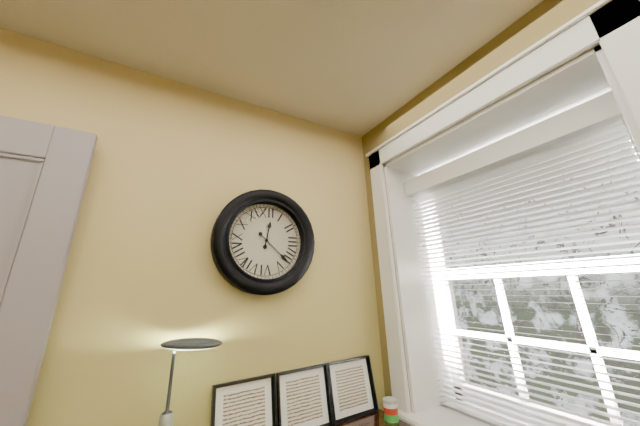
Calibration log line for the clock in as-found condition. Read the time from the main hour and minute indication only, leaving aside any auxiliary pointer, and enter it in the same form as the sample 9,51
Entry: 12,22
